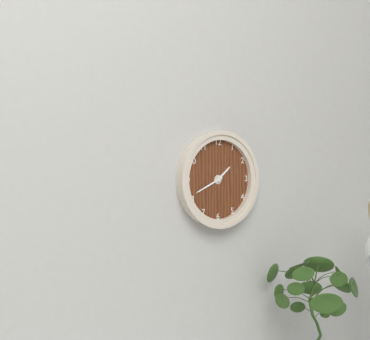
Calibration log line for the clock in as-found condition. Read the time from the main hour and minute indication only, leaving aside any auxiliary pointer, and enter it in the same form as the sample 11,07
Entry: 1,41
